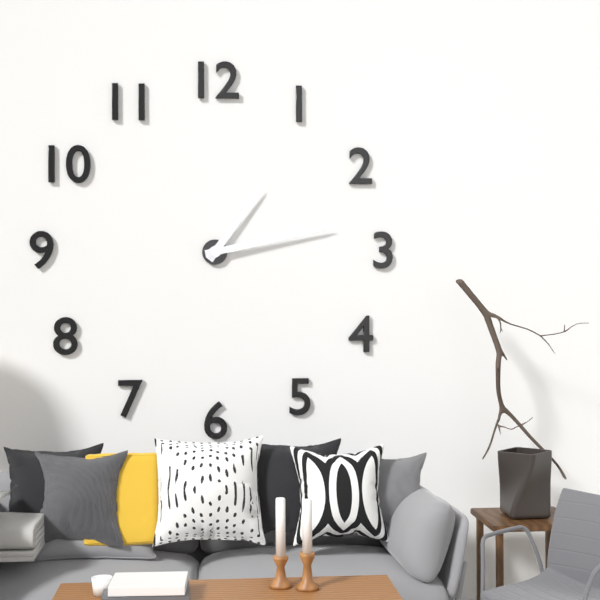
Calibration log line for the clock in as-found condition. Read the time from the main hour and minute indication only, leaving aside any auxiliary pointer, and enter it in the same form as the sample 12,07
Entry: 1,13
